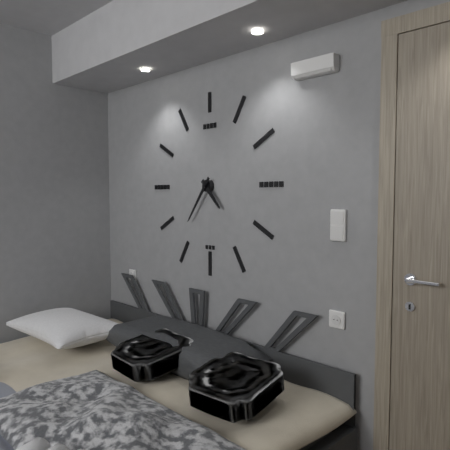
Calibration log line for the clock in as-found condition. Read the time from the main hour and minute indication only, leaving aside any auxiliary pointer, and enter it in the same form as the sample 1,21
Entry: 4,36
